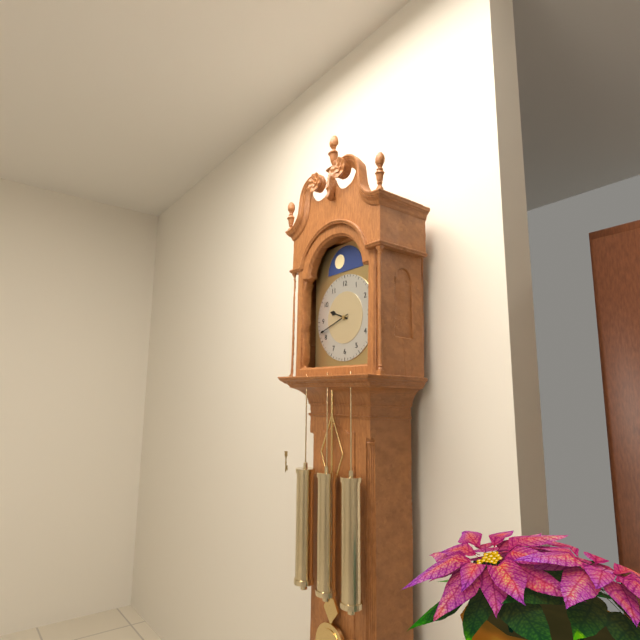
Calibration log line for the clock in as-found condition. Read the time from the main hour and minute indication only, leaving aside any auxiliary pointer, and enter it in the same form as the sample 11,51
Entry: 9,42
